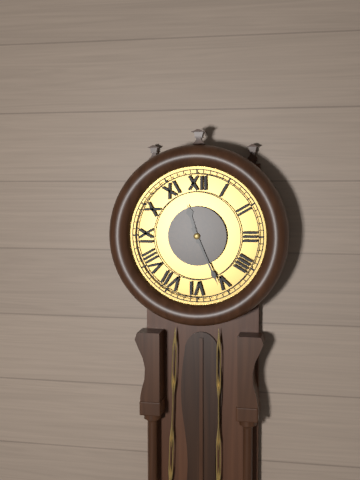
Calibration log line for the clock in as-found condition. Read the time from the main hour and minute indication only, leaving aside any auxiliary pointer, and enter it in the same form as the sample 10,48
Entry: 11,26
